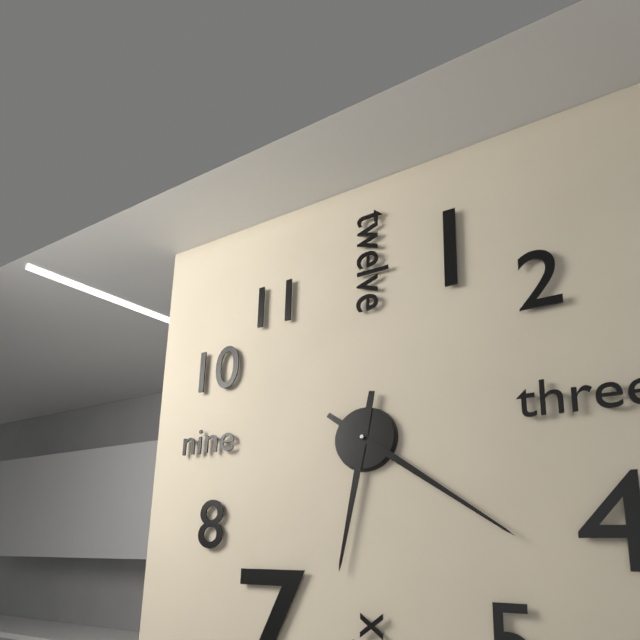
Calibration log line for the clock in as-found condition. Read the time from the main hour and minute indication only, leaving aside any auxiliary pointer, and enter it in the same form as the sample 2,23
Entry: 6,21
